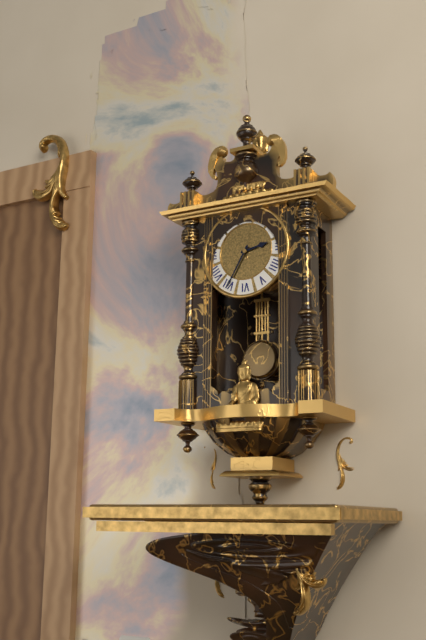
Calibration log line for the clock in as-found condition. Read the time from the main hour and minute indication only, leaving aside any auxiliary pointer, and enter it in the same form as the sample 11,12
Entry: 2,35
